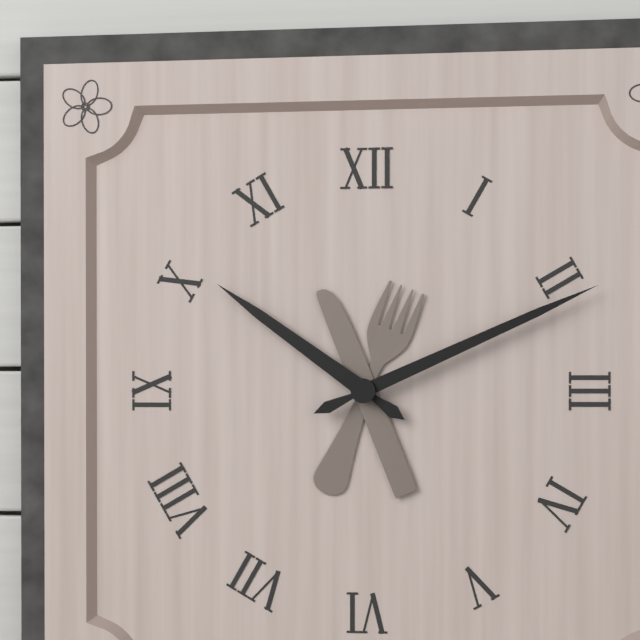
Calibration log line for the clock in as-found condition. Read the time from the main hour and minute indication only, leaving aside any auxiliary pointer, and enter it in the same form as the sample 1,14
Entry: 10,11
